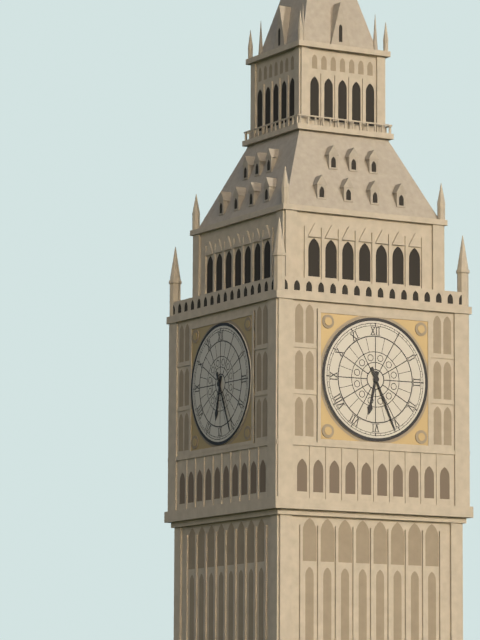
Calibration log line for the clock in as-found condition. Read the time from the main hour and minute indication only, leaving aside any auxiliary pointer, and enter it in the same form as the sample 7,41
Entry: 6,26
